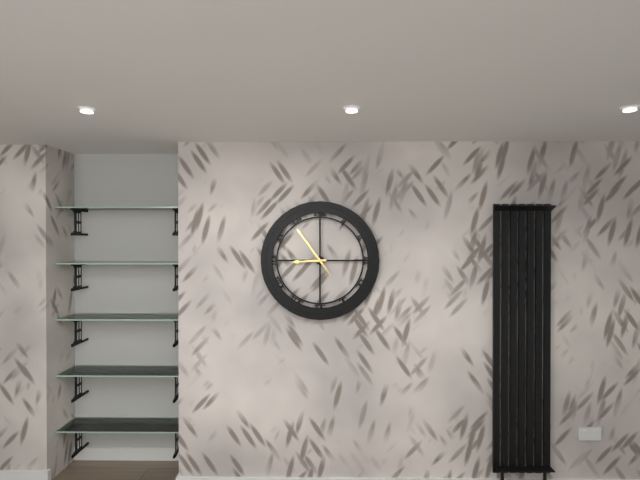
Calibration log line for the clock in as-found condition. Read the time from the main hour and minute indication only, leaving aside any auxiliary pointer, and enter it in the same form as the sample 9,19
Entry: 8,54
